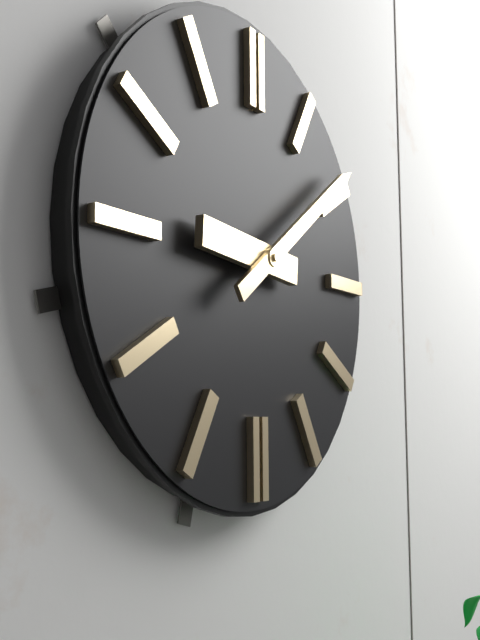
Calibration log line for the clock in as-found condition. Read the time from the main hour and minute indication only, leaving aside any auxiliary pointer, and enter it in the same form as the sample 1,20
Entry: 9,09
